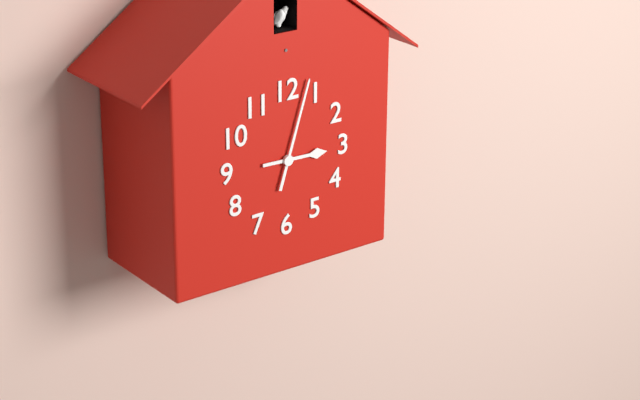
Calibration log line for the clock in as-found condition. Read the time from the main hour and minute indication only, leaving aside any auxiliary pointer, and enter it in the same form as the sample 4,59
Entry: 3,03
